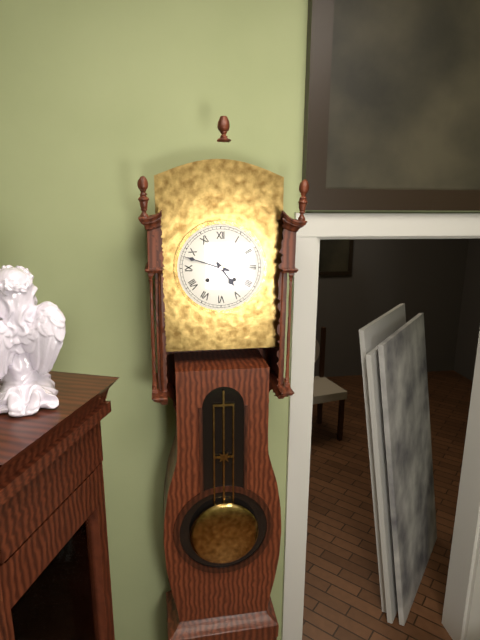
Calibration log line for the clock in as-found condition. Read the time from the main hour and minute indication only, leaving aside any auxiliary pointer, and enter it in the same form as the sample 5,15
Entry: 4,48
